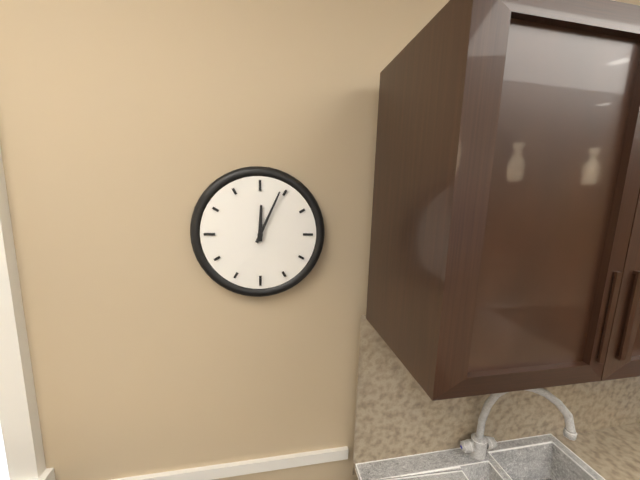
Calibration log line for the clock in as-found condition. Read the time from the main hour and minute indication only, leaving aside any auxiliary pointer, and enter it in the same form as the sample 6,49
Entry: 12,04
